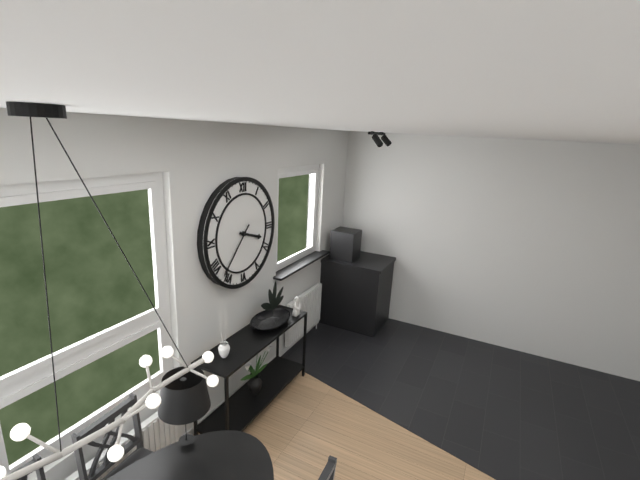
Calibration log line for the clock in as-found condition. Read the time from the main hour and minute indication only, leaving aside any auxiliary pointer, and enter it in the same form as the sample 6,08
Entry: 3,37
